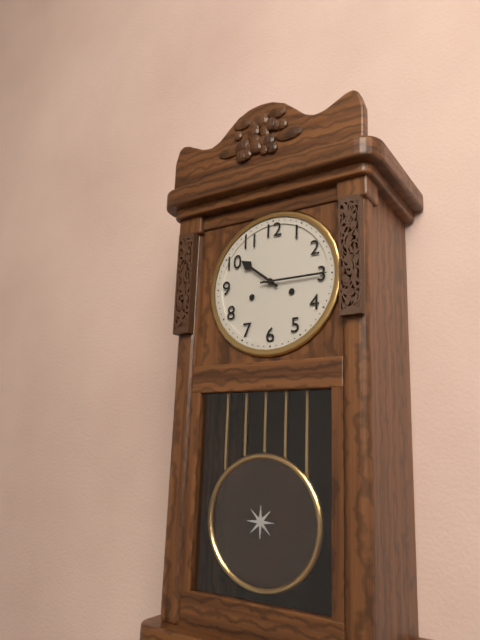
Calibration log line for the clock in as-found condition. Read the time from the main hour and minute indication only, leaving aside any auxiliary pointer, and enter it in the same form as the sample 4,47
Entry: 10,15
